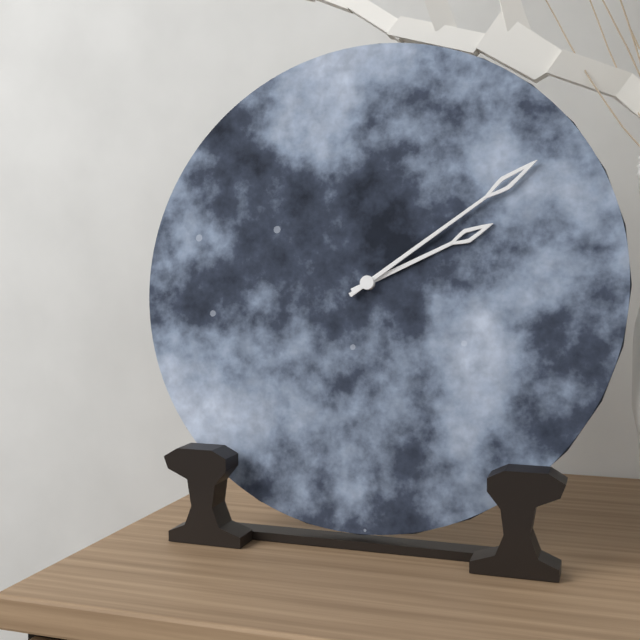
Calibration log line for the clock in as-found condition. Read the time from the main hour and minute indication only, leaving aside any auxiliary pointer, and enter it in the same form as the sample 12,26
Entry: 2,09
